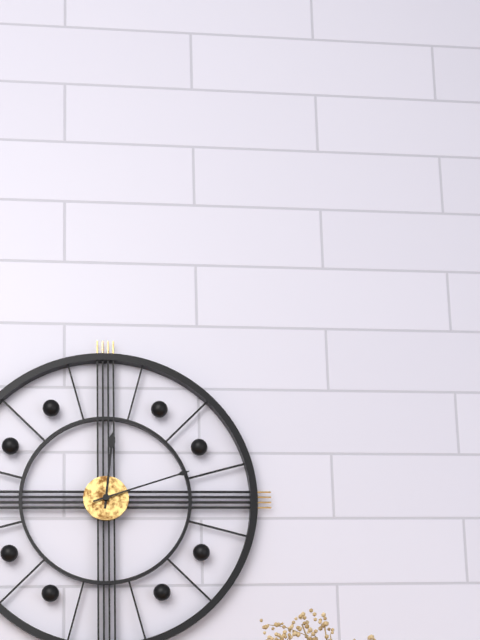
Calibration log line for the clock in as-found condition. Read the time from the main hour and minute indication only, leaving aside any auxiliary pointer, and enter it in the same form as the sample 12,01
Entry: 12,12
